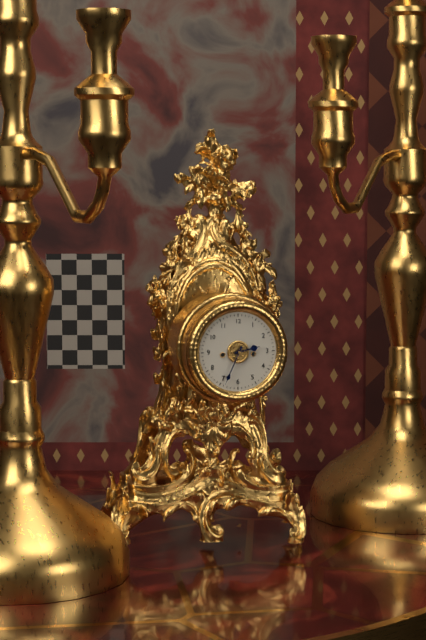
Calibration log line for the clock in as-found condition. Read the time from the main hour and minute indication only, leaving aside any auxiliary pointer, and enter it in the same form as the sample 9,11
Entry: 2,34
